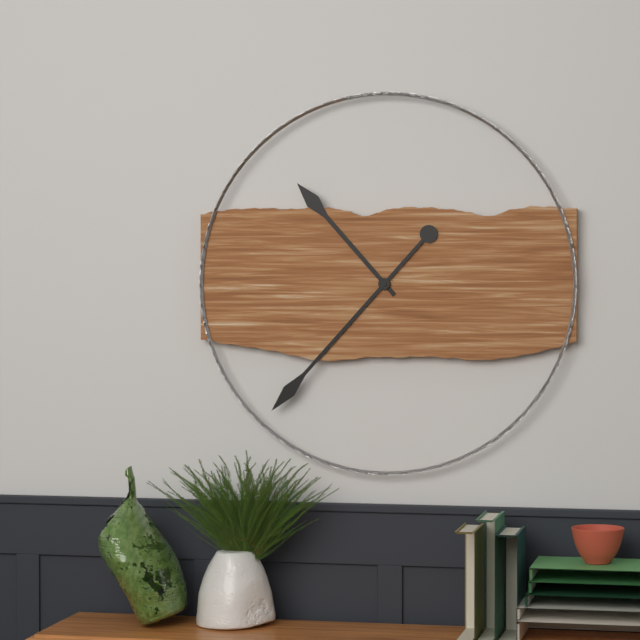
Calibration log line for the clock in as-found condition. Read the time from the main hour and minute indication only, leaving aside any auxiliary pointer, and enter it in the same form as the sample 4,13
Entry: 10,37
